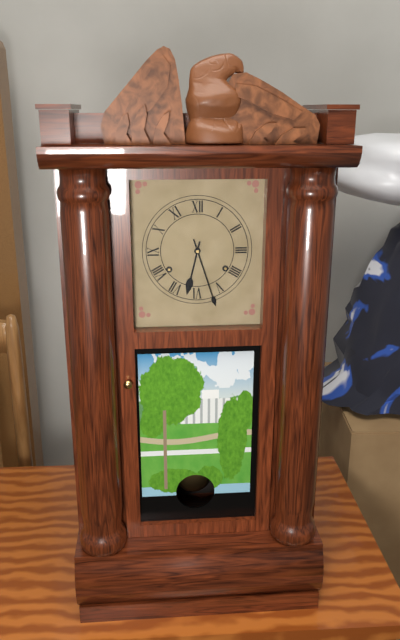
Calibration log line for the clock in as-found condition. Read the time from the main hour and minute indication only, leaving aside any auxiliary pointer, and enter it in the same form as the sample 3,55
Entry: 6,27
